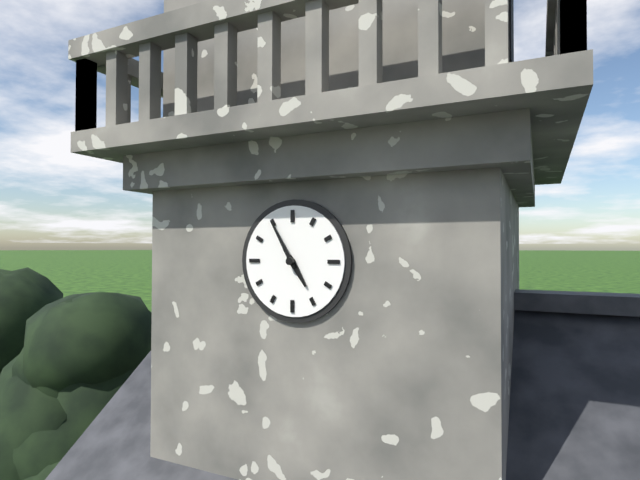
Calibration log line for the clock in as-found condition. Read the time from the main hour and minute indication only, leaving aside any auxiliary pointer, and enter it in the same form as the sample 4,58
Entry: 4,55
